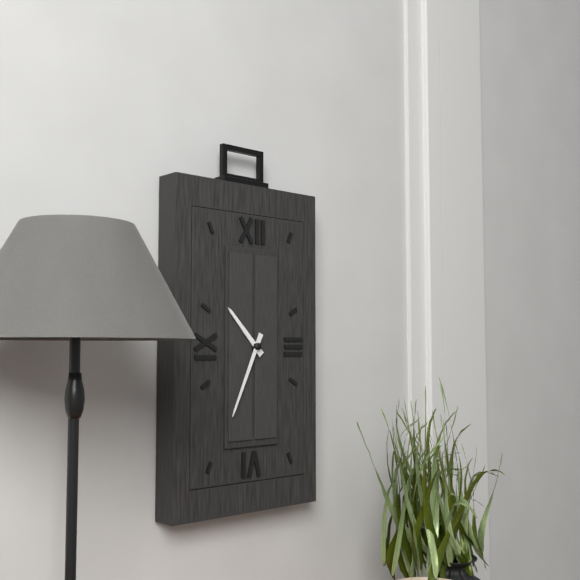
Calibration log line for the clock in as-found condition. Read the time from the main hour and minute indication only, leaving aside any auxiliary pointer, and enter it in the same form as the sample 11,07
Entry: 10,34
